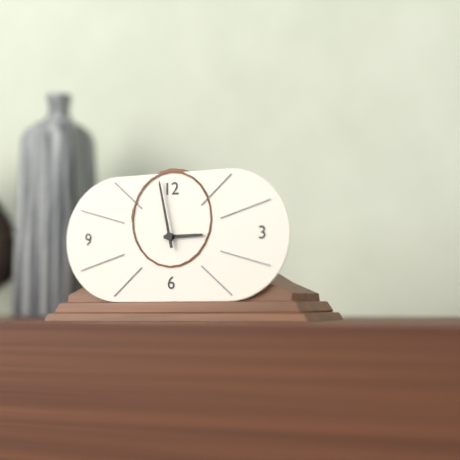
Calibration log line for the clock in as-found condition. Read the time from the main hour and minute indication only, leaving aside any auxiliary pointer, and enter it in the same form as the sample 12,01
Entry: 2,58
